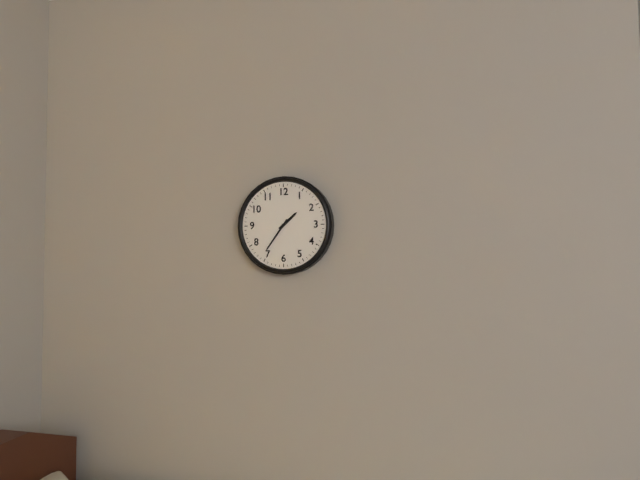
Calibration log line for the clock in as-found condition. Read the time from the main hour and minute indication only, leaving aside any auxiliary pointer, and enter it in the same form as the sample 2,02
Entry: 1,36
